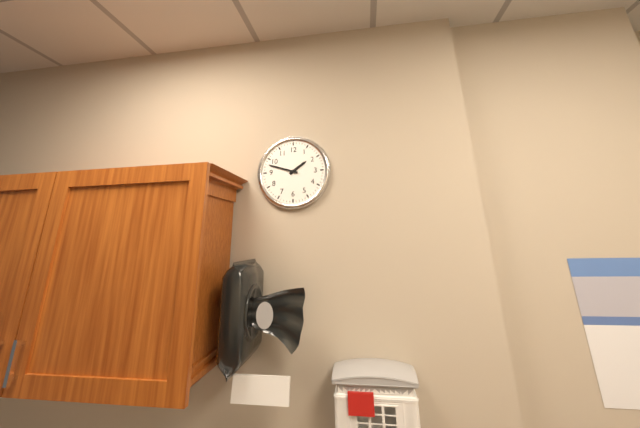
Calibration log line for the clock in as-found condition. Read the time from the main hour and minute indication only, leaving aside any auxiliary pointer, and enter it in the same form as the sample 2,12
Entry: 1,48
